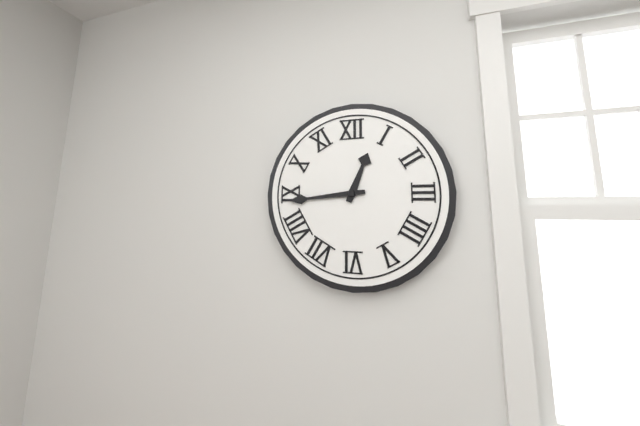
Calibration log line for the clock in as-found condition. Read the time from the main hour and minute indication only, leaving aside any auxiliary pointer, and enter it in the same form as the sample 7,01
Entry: 12,44
